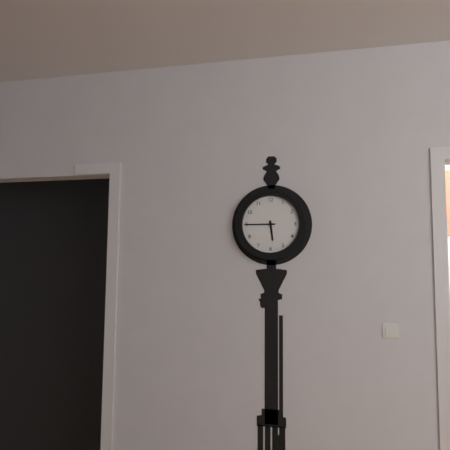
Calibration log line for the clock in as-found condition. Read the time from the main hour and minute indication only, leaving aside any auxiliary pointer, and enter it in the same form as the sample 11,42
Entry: 5,45
